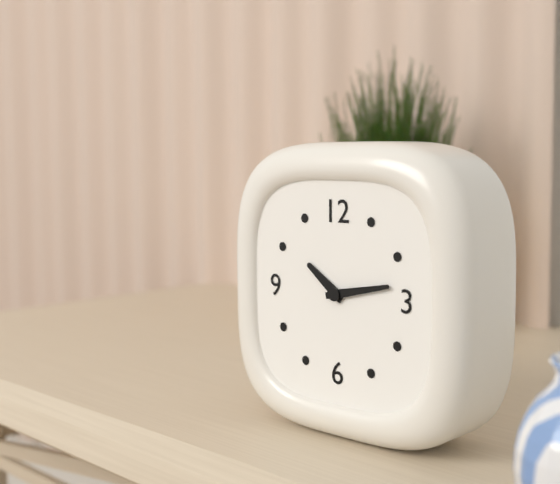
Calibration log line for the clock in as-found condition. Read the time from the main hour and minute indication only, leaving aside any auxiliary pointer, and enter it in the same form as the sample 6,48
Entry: 10,13
